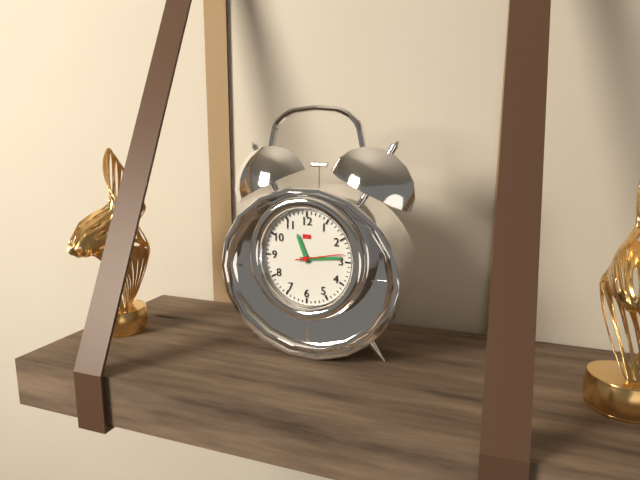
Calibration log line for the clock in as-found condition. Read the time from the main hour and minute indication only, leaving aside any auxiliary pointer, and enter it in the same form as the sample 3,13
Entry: 11,14
